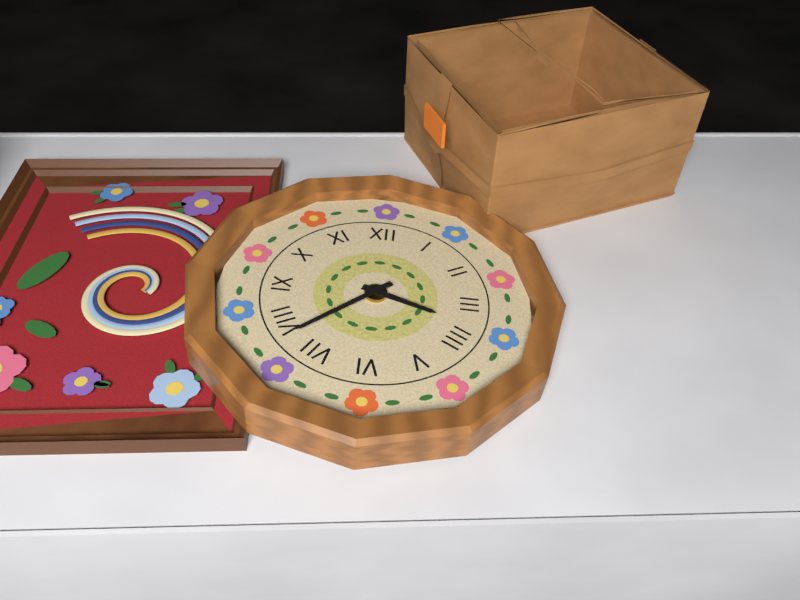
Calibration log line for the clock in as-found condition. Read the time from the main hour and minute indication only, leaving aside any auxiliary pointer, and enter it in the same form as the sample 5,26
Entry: 3,38
